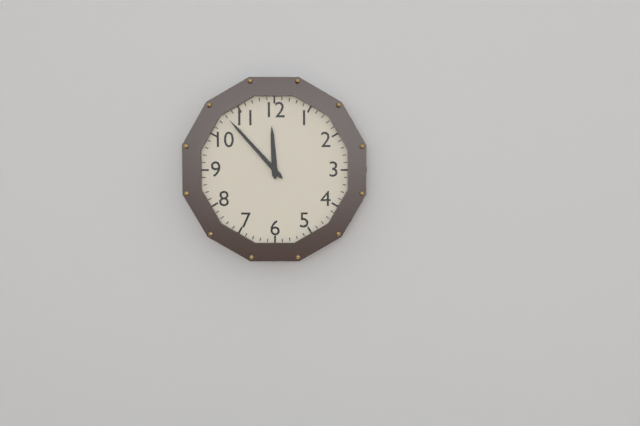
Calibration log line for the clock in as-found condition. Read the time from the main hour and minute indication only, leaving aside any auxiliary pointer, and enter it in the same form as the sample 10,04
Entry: 11,53
